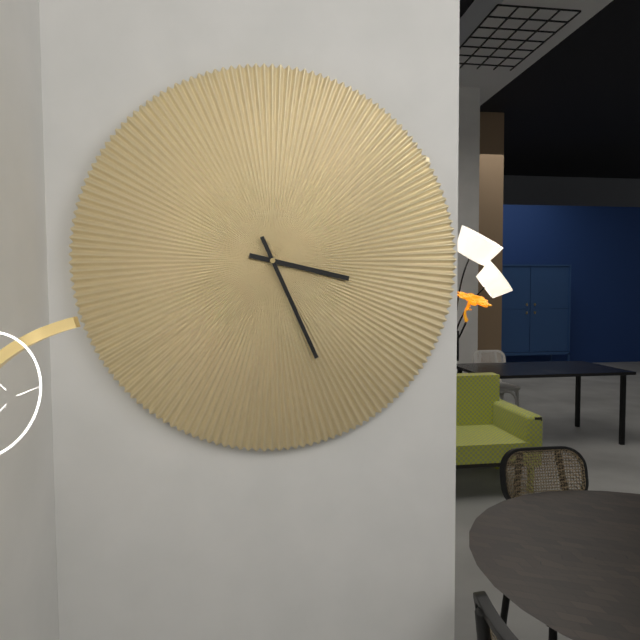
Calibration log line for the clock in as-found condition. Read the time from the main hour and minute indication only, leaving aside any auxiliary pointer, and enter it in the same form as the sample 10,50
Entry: 3,26
